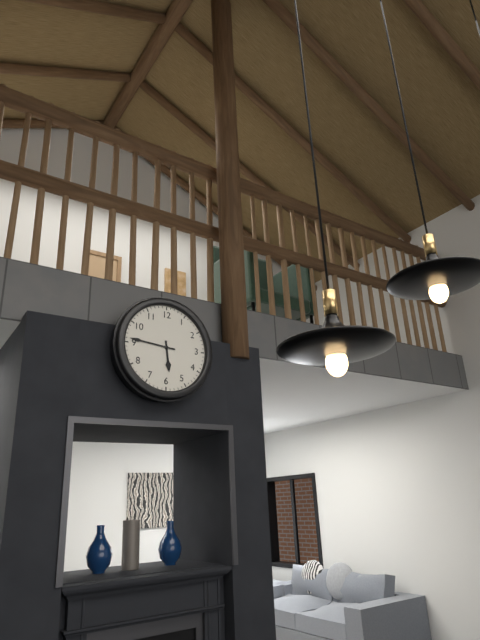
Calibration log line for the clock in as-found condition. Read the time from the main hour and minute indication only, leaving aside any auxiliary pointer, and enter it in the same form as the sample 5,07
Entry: 5,46
